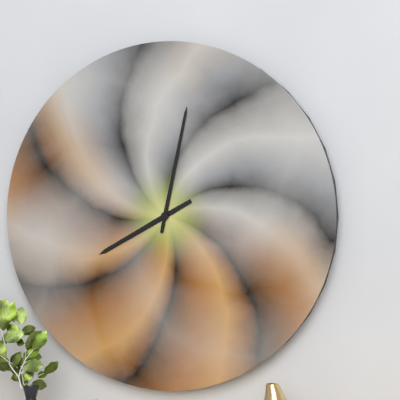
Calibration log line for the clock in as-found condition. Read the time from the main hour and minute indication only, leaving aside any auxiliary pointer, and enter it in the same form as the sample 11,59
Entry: 8,02
